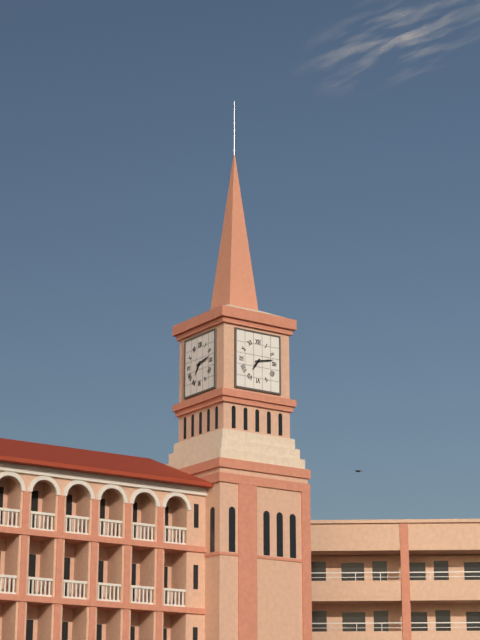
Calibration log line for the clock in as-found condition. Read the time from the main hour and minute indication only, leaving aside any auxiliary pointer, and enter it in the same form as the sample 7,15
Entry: 7,13
